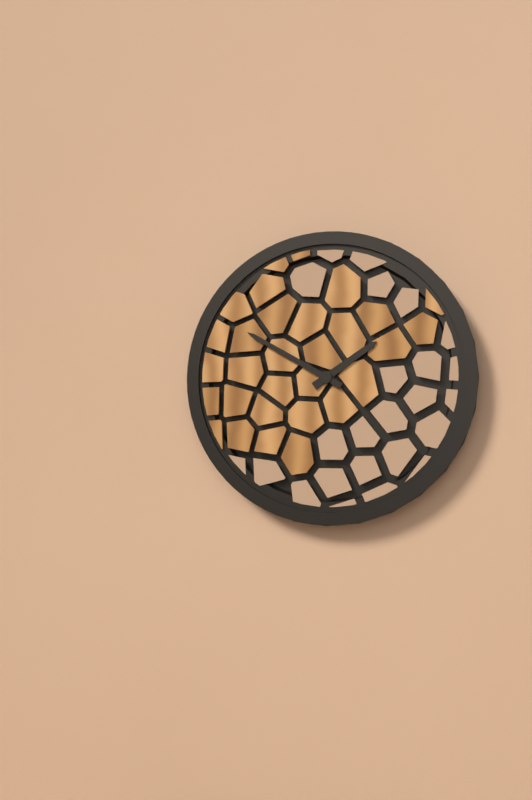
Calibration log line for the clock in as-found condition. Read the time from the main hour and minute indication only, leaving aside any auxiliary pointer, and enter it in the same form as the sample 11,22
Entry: 1,50
